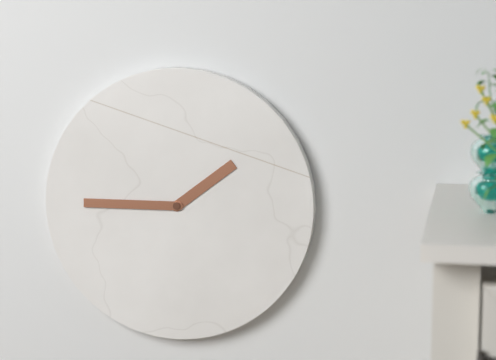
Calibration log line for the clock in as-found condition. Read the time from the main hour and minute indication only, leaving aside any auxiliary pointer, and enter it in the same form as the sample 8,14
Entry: 1,45
